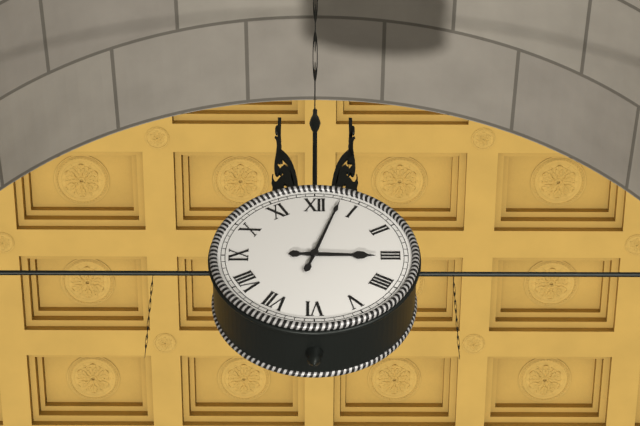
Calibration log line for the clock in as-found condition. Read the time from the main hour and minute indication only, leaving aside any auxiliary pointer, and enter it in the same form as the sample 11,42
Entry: 3,03
